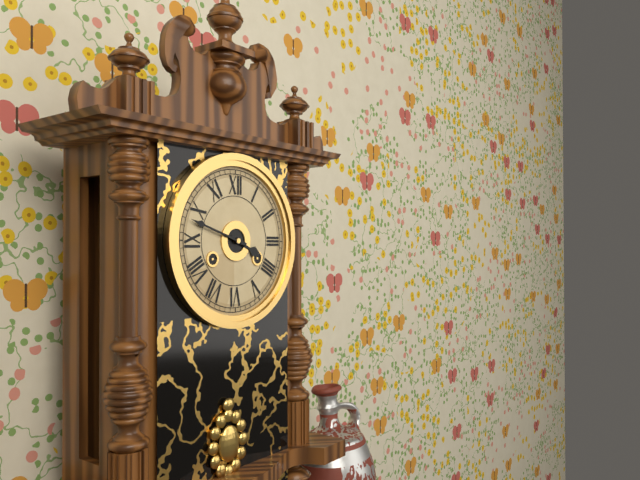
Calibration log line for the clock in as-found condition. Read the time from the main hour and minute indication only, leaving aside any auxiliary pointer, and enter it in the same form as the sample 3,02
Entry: 3,48
